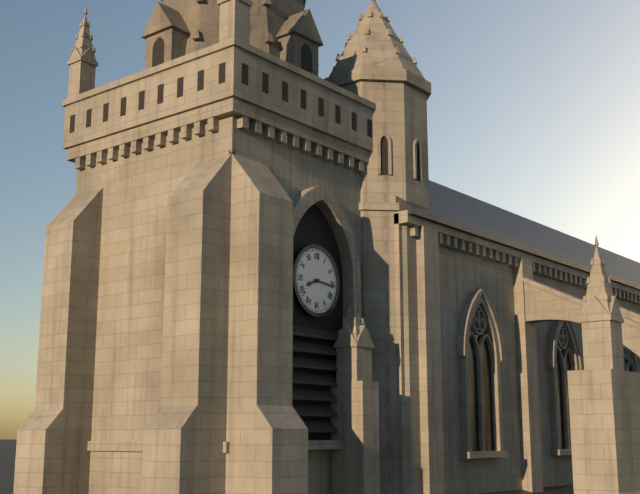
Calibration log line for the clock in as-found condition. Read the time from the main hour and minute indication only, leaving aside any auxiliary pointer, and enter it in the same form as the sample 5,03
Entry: 8,16
